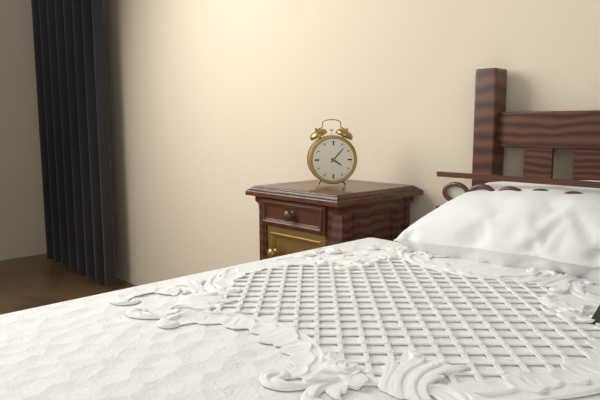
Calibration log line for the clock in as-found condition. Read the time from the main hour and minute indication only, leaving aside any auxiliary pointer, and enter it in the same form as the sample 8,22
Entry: 4,07
